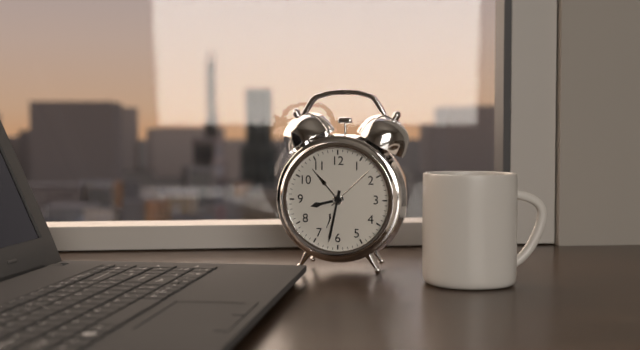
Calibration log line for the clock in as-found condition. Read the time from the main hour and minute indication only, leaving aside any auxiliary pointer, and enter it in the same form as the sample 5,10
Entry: 8,32
